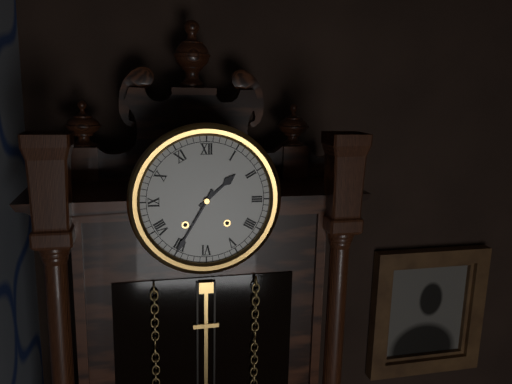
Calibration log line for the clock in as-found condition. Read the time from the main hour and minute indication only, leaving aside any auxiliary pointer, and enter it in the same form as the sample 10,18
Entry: 1,35
